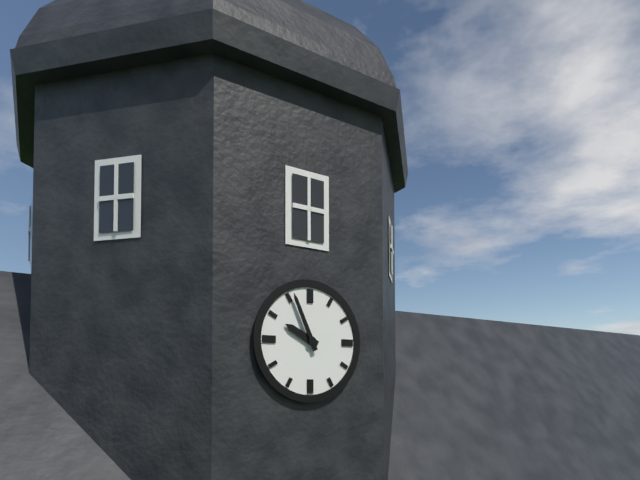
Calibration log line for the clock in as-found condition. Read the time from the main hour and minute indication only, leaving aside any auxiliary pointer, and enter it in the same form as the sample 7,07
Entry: 9,56
